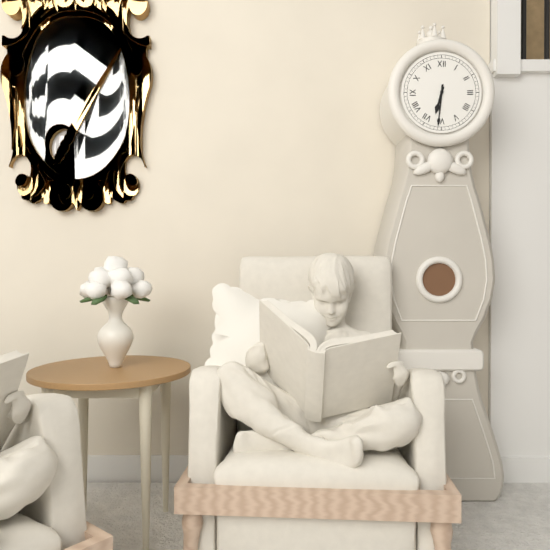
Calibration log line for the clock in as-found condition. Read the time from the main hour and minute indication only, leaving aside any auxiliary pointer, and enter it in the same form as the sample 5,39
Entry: 6,31
